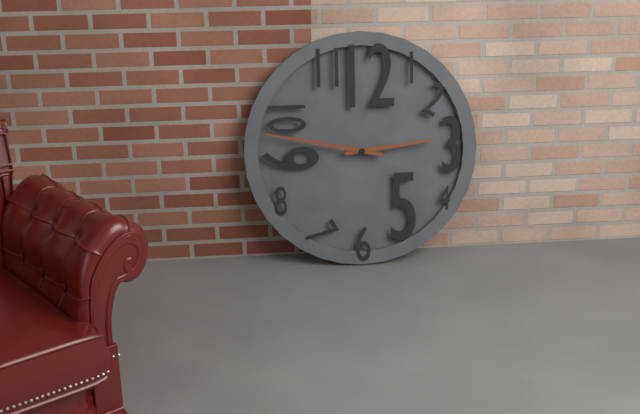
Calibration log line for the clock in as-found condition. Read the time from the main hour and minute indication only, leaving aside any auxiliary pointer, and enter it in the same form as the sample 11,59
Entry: 2,47
